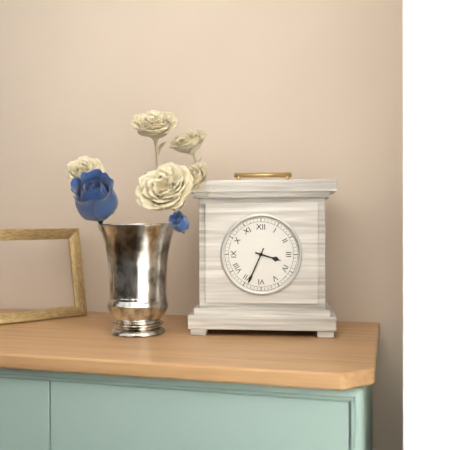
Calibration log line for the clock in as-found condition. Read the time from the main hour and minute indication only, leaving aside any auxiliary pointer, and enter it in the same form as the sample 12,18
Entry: 3,34
